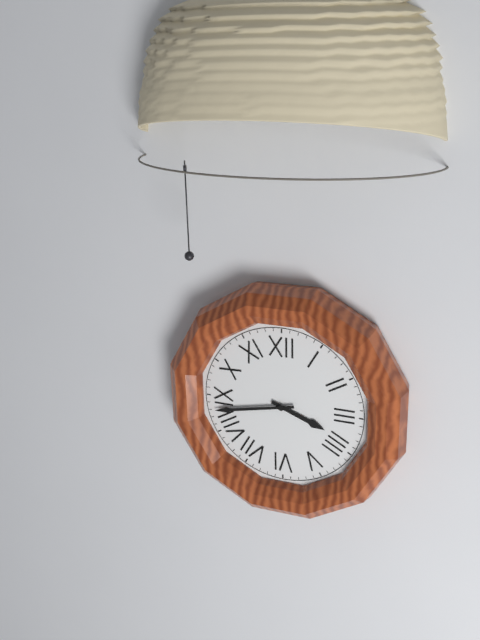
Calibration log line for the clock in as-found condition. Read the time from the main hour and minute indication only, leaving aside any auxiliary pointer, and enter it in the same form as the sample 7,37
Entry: 3,43
